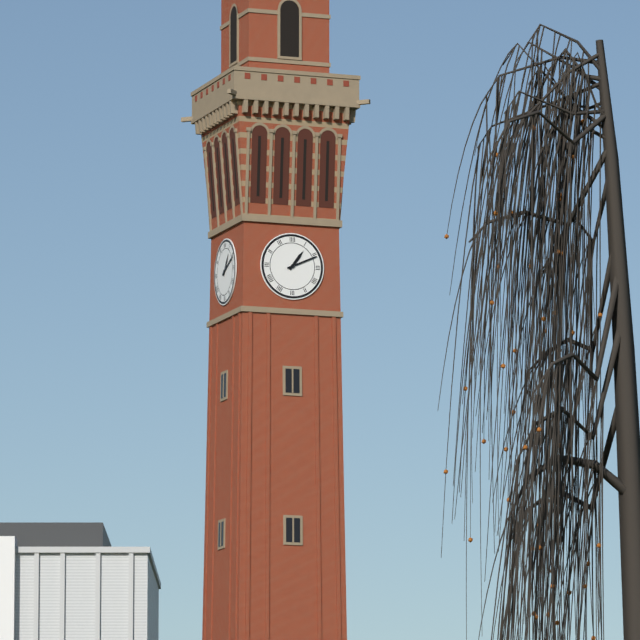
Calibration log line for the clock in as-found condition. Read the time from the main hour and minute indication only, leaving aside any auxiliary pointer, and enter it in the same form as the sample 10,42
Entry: 1,11
